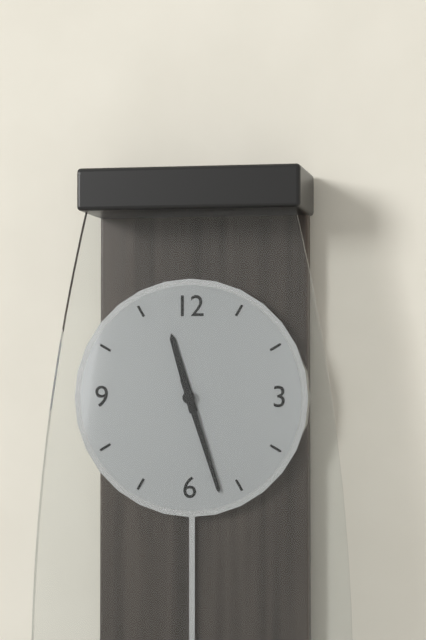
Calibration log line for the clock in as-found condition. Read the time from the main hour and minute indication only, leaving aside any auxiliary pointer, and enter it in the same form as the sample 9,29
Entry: 11,27
